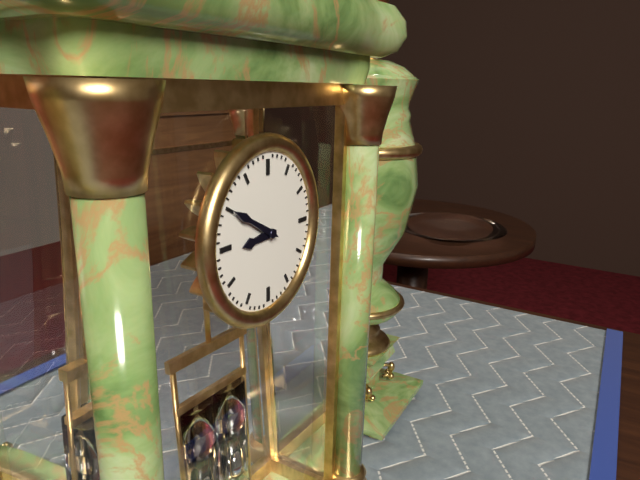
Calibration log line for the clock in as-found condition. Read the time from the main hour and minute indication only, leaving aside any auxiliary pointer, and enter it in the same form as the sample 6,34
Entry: 8,50
